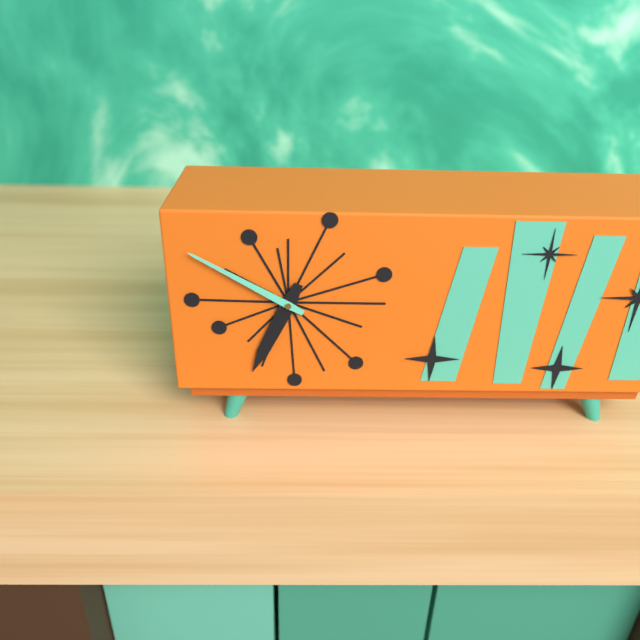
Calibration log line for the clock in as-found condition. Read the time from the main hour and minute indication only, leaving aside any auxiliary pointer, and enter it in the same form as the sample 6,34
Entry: 6,50
